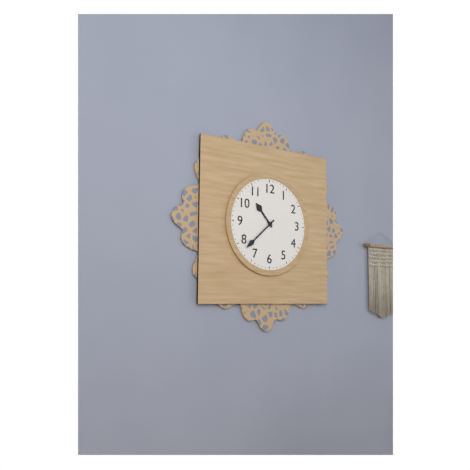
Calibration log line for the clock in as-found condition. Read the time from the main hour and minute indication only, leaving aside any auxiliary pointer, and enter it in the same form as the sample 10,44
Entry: 10,38
